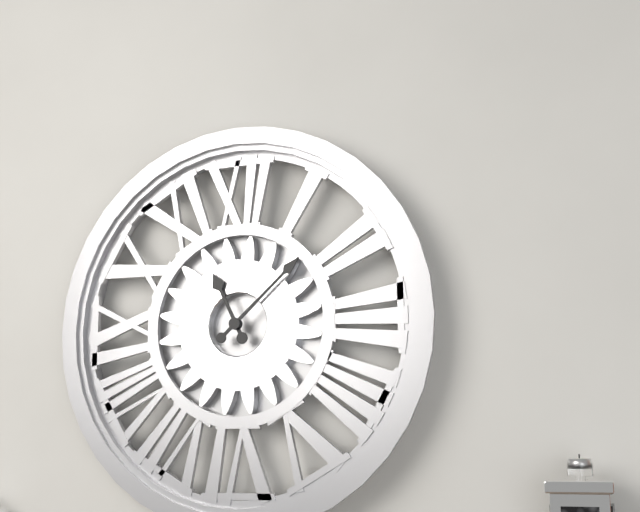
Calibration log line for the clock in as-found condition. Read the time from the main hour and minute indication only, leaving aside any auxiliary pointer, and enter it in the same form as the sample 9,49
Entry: 11,08
